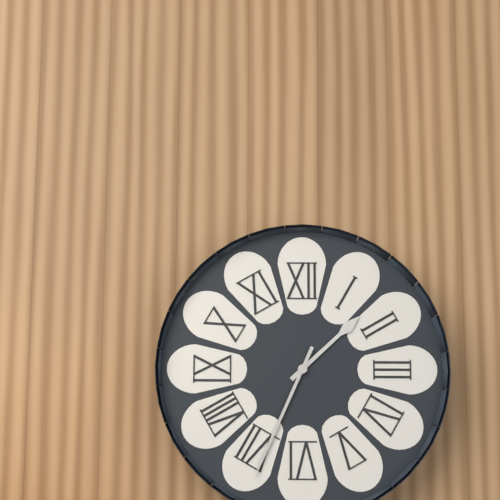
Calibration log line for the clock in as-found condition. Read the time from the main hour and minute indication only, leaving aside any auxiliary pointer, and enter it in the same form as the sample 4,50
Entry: 1,34
